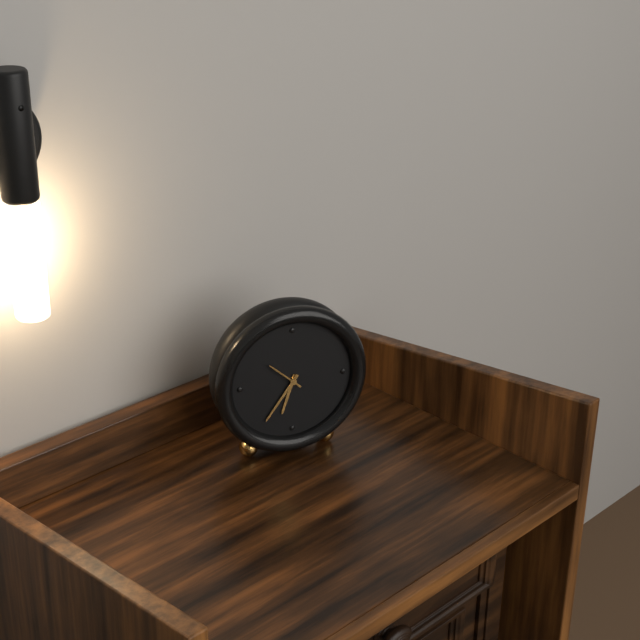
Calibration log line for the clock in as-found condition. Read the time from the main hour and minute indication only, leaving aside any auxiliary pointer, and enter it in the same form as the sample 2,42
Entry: 6,36
